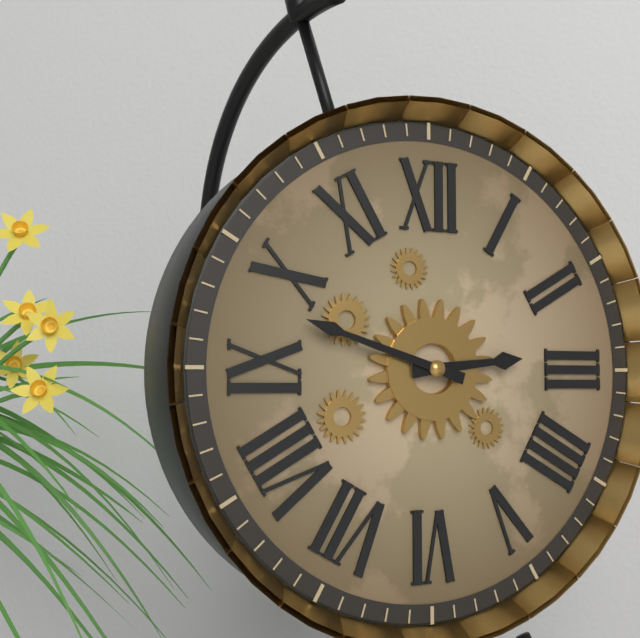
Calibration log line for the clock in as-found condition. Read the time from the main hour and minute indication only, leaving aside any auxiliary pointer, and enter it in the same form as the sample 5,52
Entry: 2,48
